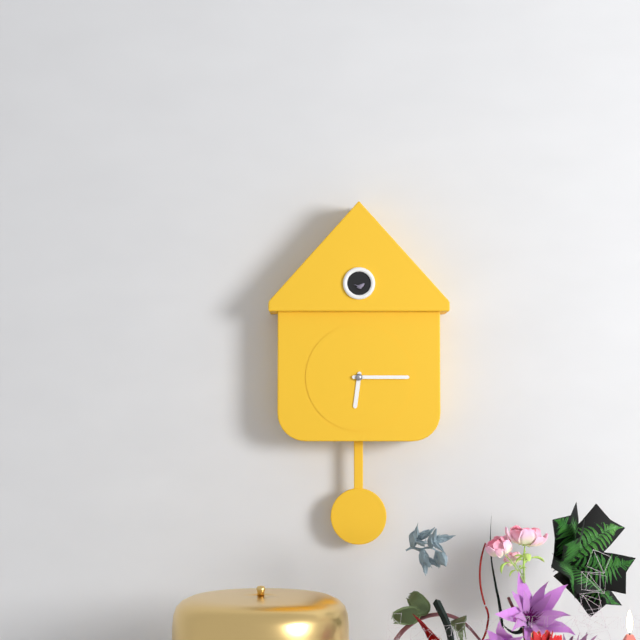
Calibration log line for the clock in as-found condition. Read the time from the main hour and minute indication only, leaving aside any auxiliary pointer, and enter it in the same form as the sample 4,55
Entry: 6,15
